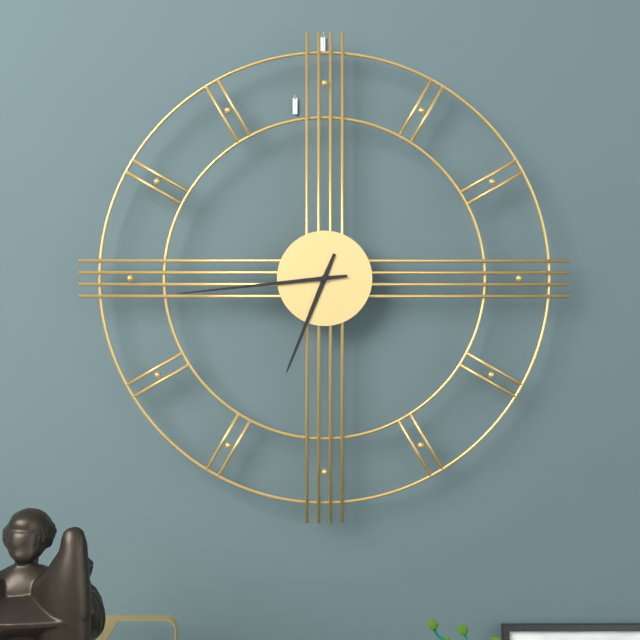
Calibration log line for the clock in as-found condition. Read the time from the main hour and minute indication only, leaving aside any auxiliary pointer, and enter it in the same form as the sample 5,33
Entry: 6,44
